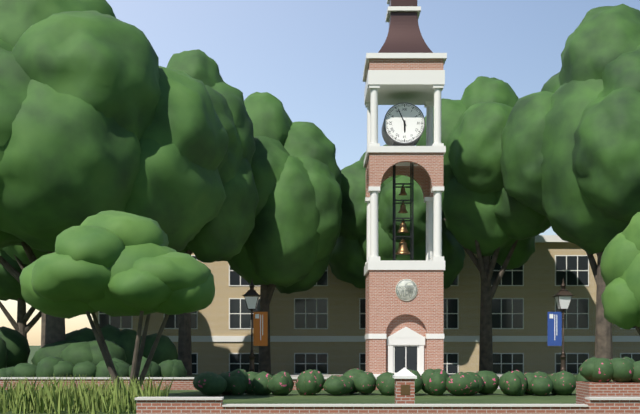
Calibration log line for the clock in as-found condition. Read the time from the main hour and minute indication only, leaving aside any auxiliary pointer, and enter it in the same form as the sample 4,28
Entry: 5,56
